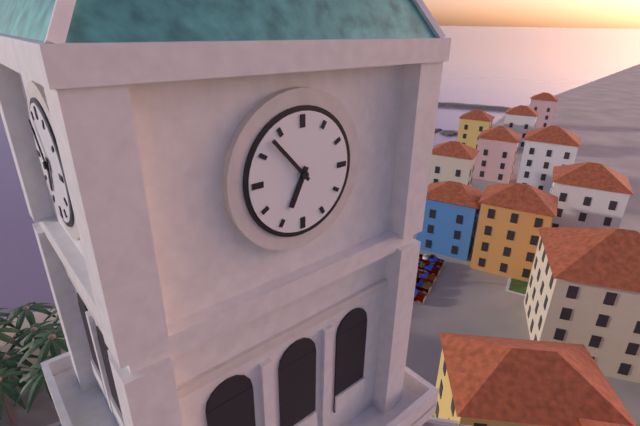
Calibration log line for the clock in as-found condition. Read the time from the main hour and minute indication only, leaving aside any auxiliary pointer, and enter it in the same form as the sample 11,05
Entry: 6,53
